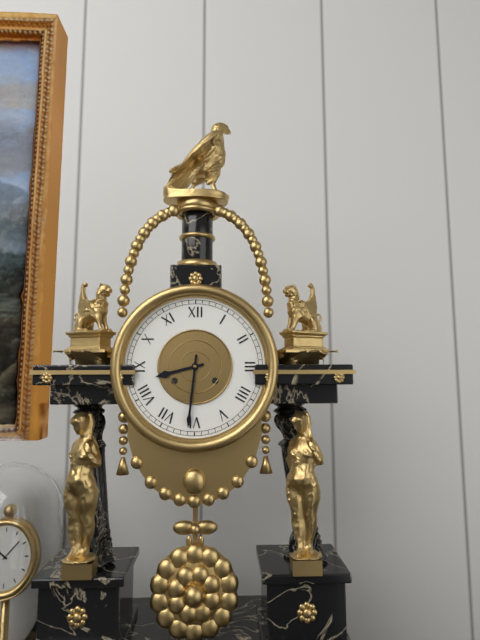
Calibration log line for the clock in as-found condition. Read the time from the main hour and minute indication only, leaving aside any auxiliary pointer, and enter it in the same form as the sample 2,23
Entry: 8,31
